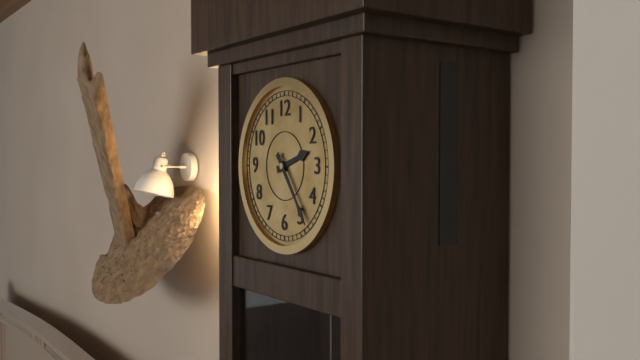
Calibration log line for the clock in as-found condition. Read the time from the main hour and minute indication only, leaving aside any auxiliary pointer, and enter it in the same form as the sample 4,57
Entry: 2,24
